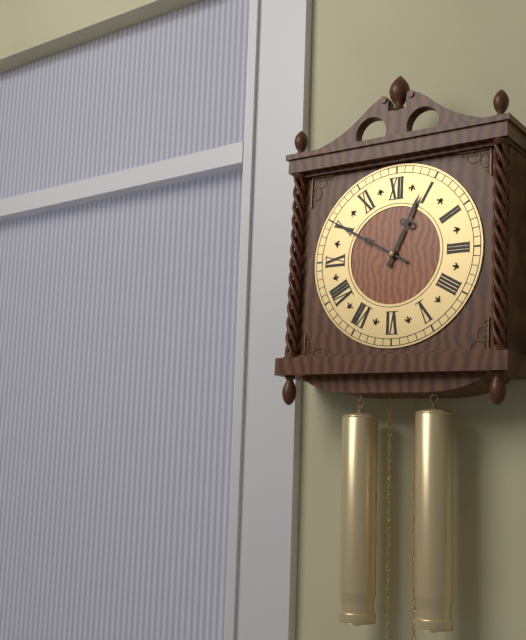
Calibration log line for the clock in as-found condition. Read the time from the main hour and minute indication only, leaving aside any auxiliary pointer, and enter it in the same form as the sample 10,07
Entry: 12,50
